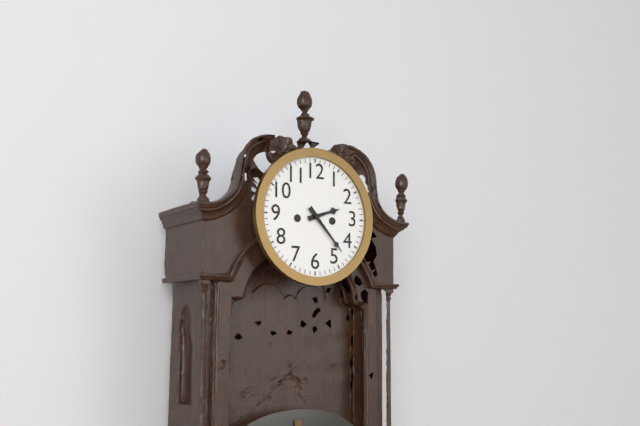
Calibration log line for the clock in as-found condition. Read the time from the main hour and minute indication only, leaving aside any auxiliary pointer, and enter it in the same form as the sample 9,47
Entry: 2,23
